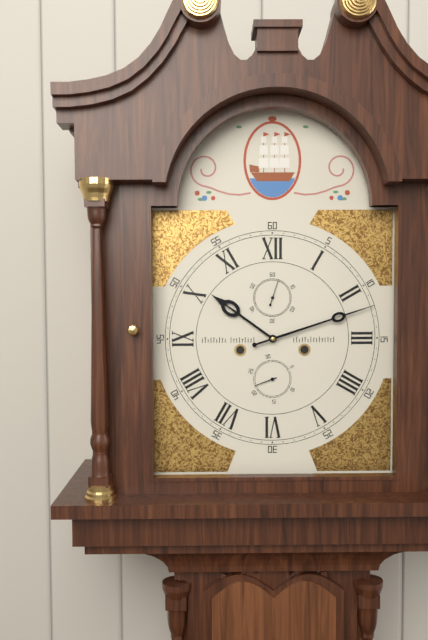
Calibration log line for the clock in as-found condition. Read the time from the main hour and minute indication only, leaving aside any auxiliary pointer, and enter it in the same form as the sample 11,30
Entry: 10,12
